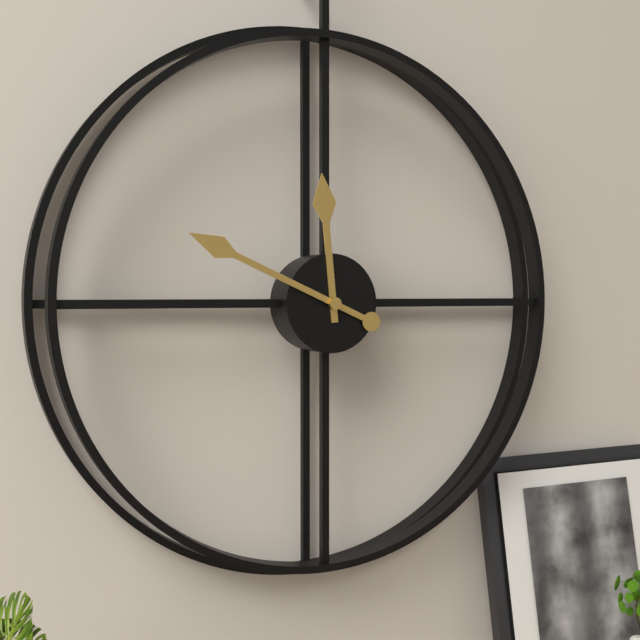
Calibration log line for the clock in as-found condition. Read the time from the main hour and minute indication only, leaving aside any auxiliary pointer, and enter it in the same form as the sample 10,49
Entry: 11,49
